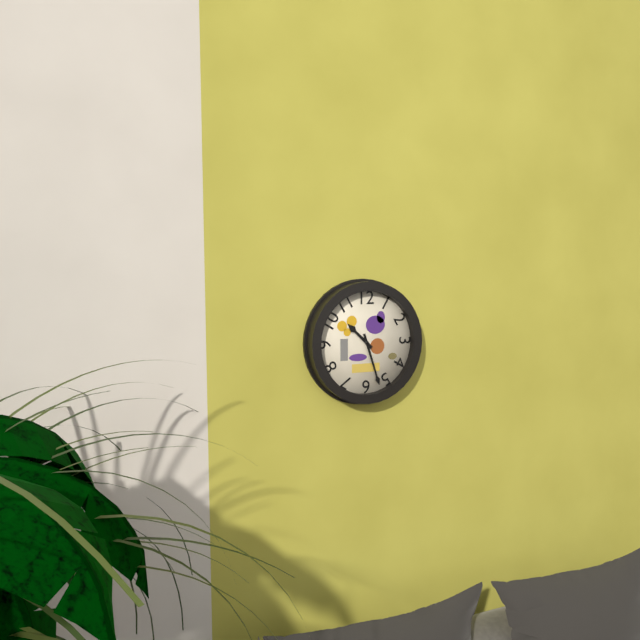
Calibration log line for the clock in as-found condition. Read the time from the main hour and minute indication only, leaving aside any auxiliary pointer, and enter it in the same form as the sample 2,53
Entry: 10,27
